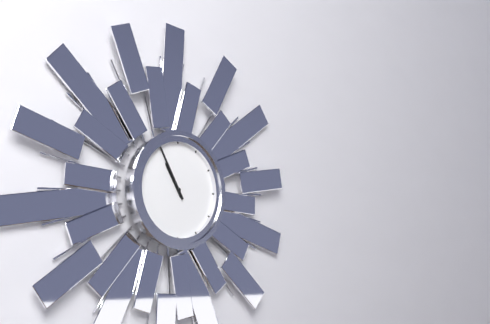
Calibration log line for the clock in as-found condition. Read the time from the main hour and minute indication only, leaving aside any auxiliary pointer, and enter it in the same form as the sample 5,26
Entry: 10,55
